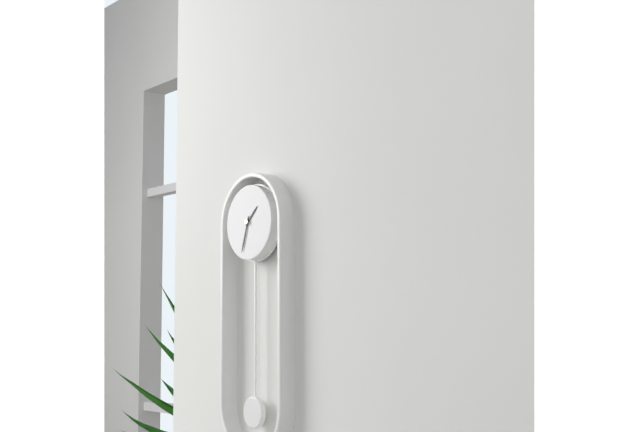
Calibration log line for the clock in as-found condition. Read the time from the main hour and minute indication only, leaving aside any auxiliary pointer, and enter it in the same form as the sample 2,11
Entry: 1,33
